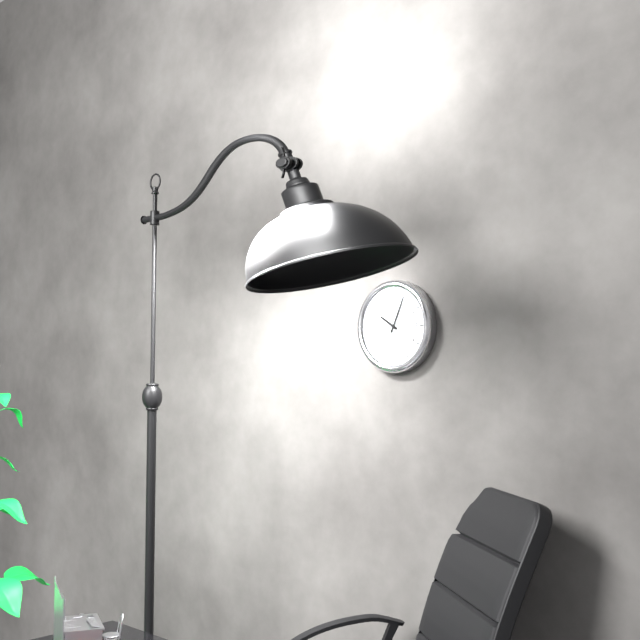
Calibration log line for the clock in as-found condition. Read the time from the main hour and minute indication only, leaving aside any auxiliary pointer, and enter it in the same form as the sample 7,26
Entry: 10,04
